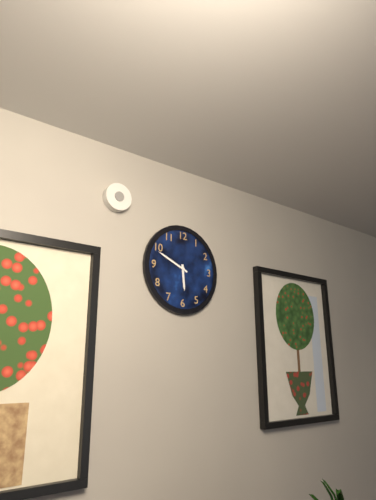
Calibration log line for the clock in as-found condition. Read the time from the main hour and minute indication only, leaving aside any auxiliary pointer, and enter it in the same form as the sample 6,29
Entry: 5,49
